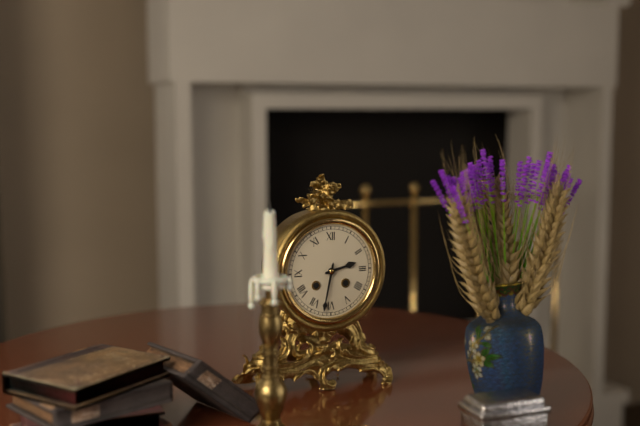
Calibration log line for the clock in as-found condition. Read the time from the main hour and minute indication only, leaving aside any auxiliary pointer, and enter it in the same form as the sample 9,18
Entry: 2,32
